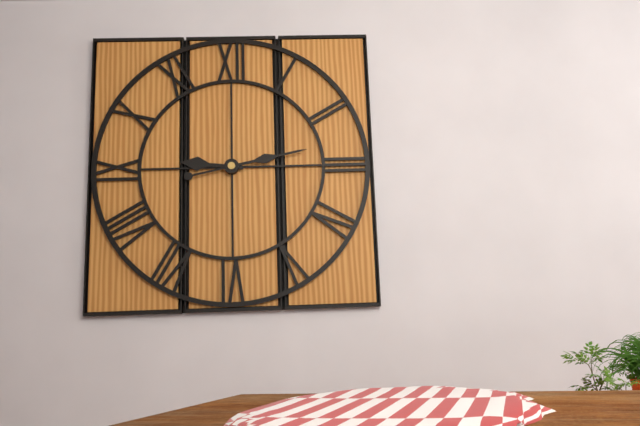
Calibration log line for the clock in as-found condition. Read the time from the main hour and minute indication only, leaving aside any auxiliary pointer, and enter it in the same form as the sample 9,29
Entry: 9,13
